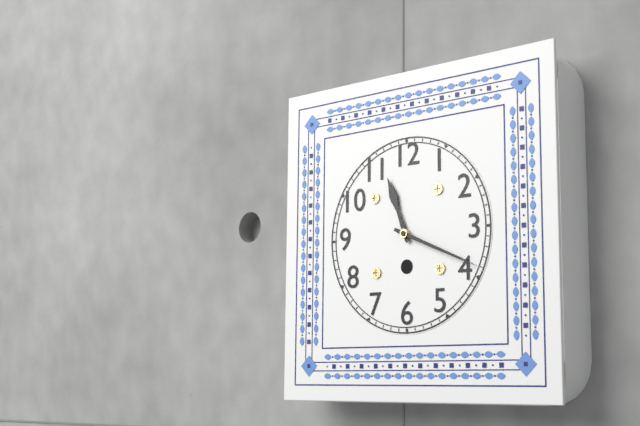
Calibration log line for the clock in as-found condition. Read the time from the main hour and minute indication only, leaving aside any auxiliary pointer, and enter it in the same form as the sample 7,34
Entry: 11,19
